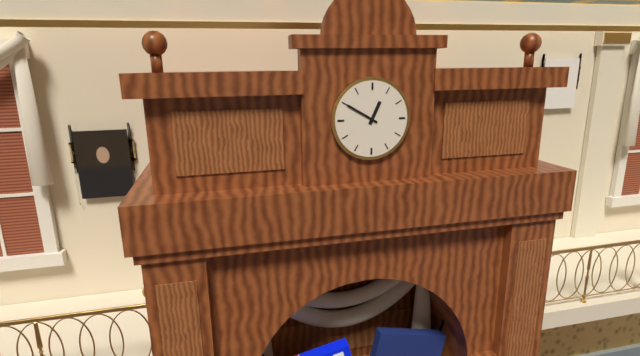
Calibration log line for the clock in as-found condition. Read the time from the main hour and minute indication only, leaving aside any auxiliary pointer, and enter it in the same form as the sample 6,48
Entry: 12,50
